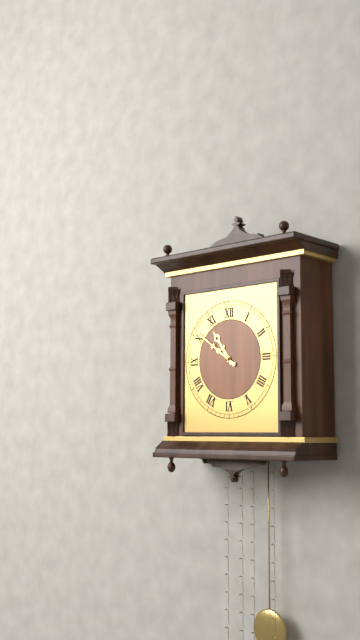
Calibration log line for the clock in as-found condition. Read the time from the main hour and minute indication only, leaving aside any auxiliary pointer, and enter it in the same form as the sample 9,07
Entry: 10,51
